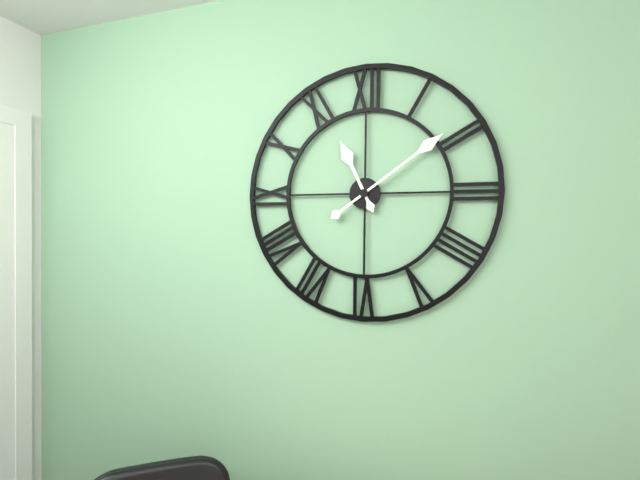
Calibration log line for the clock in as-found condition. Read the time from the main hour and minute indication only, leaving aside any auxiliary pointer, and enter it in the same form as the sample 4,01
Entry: 11,09
